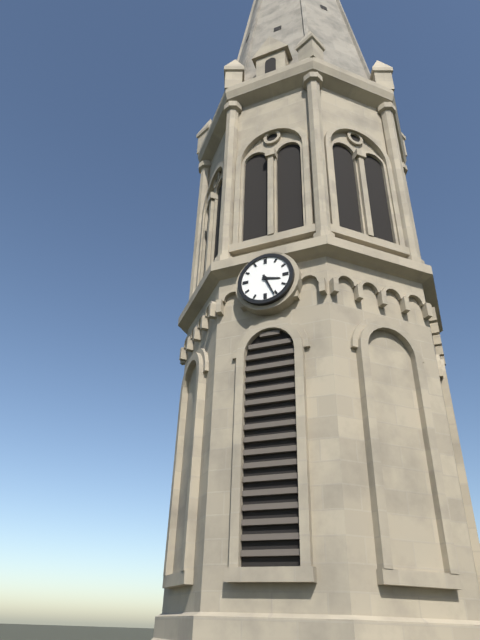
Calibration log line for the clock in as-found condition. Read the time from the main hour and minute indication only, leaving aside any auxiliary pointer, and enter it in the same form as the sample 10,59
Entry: 3,26
